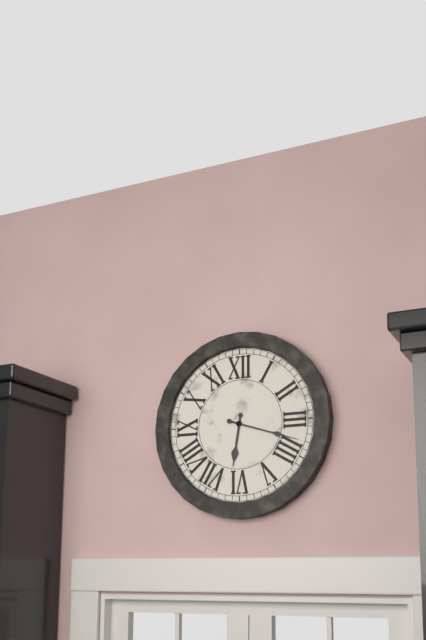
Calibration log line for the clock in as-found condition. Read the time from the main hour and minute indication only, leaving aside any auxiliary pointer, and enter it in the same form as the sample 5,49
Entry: 6,18
